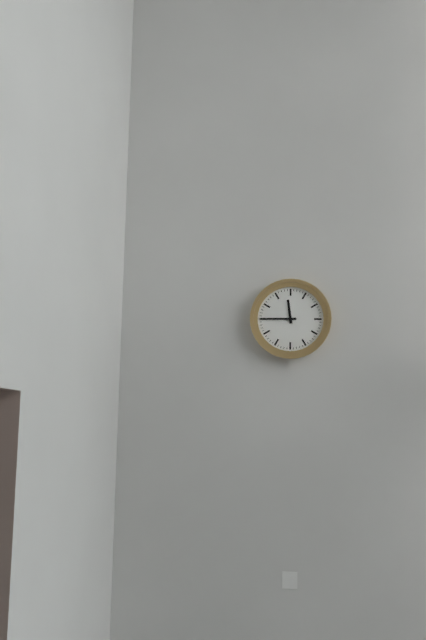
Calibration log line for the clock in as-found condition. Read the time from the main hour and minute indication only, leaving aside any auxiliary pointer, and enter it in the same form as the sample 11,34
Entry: 11,45
